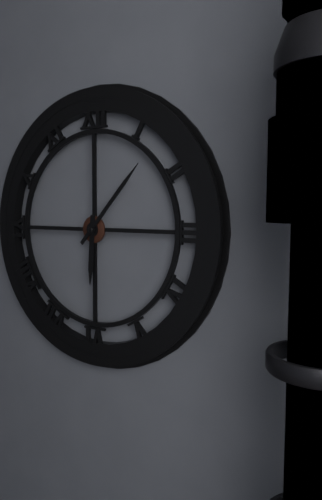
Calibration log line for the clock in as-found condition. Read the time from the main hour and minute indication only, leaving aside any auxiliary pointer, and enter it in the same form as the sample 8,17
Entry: 6,07
